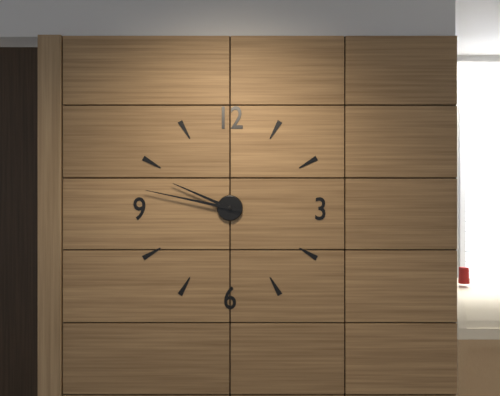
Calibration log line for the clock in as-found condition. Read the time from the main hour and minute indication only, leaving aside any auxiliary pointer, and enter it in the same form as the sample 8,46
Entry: 9,47
